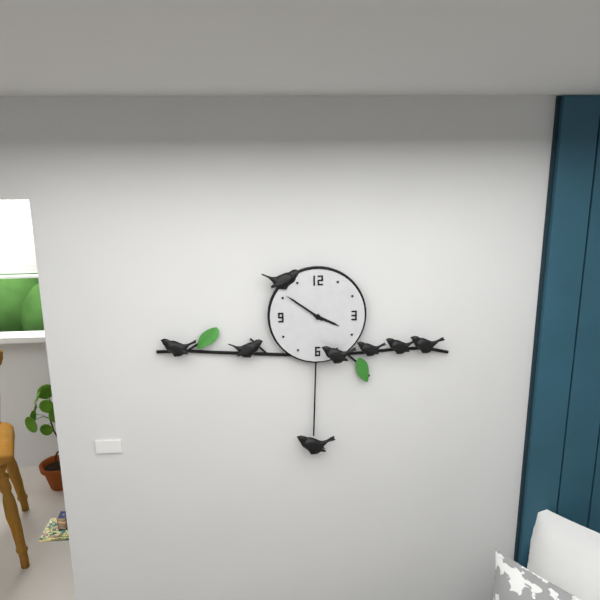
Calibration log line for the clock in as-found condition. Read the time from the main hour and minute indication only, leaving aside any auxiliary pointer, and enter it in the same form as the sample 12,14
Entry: 3,51
